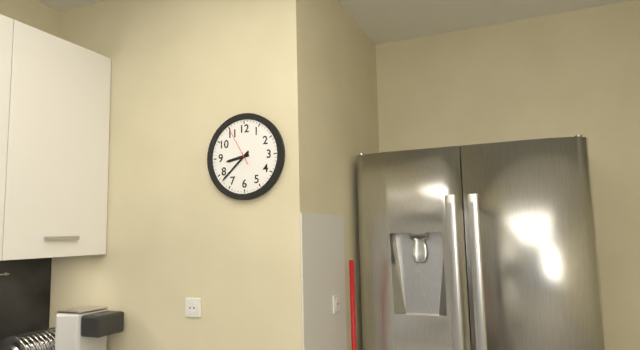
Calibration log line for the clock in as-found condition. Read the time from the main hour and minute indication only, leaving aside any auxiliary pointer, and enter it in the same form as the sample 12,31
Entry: 8,38
